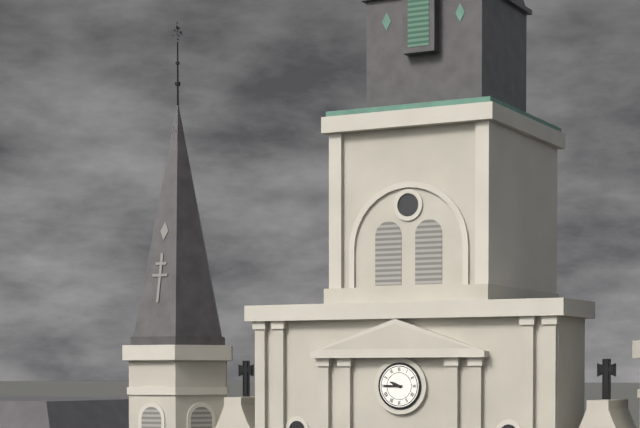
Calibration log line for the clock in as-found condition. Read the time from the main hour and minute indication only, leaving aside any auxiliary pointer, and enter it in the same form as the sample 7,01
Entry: 9,45
